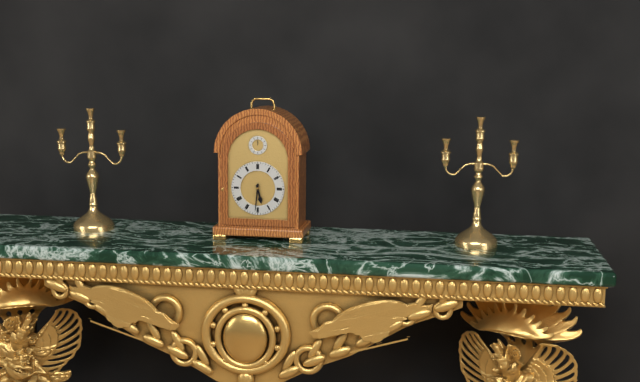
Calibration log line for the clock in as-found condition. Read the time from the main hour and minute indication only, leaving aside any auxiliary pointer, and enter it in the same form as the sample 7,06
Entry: 5,31
